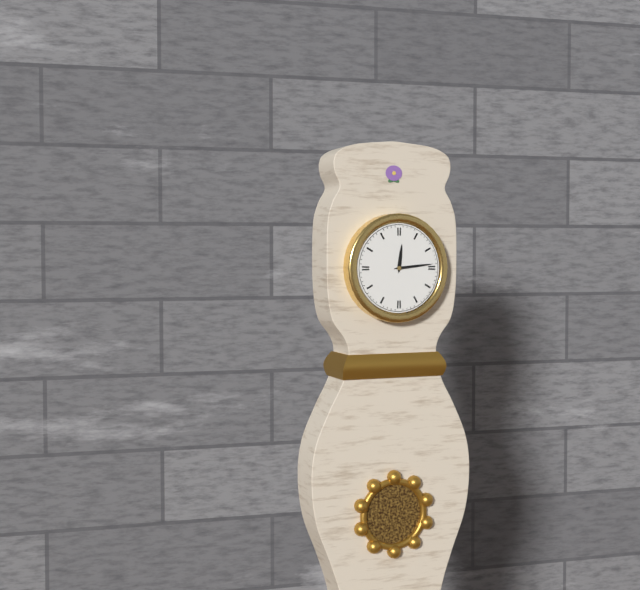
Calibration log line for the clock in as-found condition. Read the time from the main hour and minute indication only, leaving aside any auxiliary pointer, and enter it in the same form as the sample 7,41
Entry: 12,14
